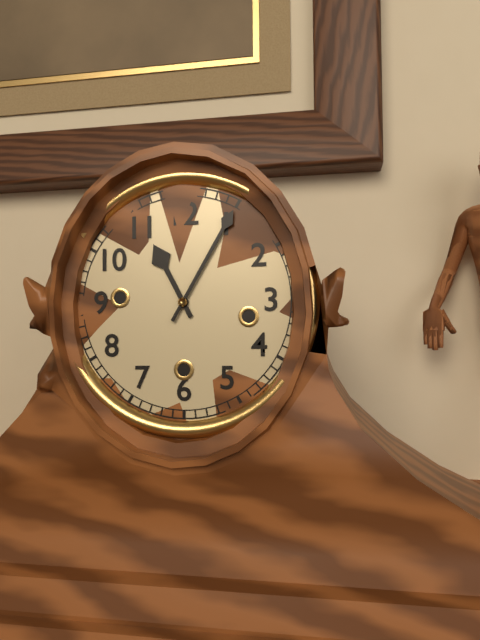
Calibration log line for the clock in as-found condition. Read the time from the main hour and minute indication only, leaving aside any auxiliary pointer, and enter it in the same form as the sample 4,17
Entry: 11,05
